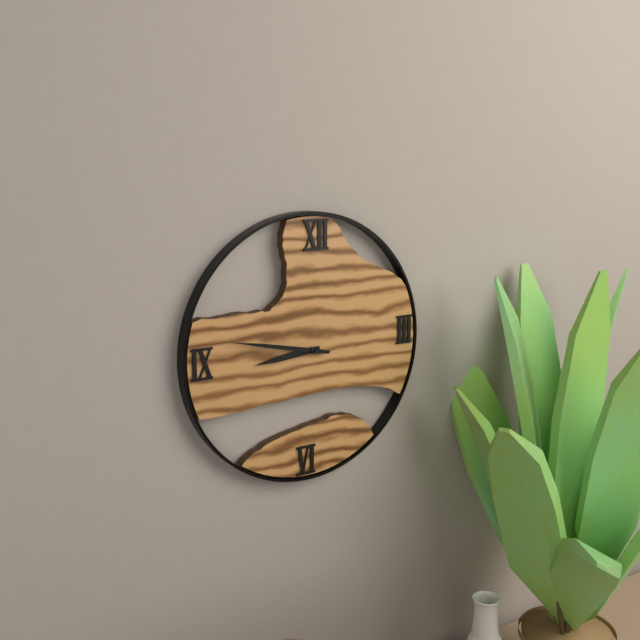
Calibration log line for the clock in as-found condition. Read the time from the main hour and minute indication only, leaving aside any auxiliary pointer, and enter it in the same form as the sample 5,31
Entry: 8,47
